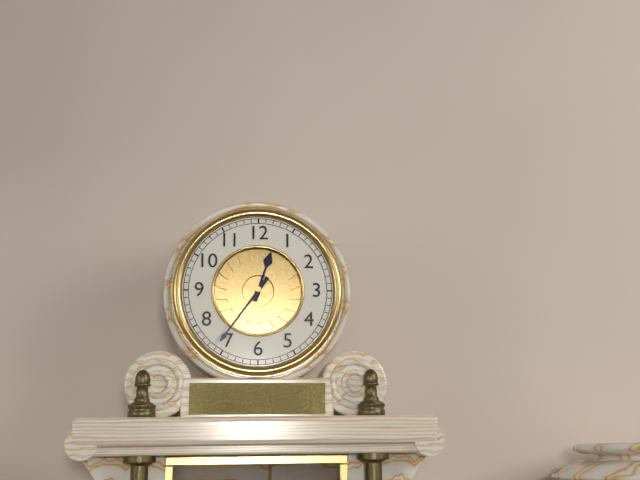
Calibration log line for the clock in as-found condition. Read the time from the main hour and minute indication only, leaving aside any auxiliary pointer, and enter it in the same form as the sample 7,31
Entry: 12,36
